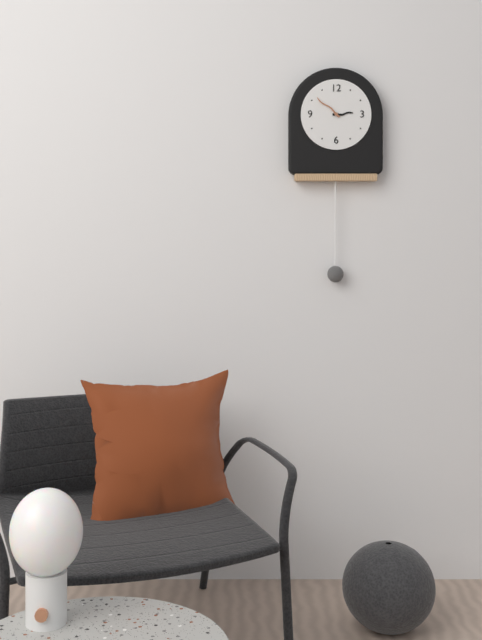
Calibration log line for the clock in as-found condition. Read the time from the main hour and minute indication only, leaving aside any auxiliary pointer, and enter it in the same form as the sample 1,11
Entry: 2,52
